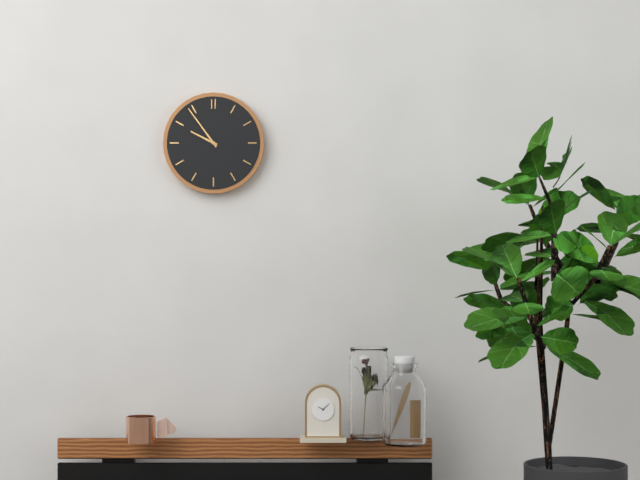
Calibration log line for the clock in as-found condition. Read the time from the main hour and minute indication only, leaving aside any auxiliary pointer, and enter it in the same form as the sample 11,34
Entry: 9,54
